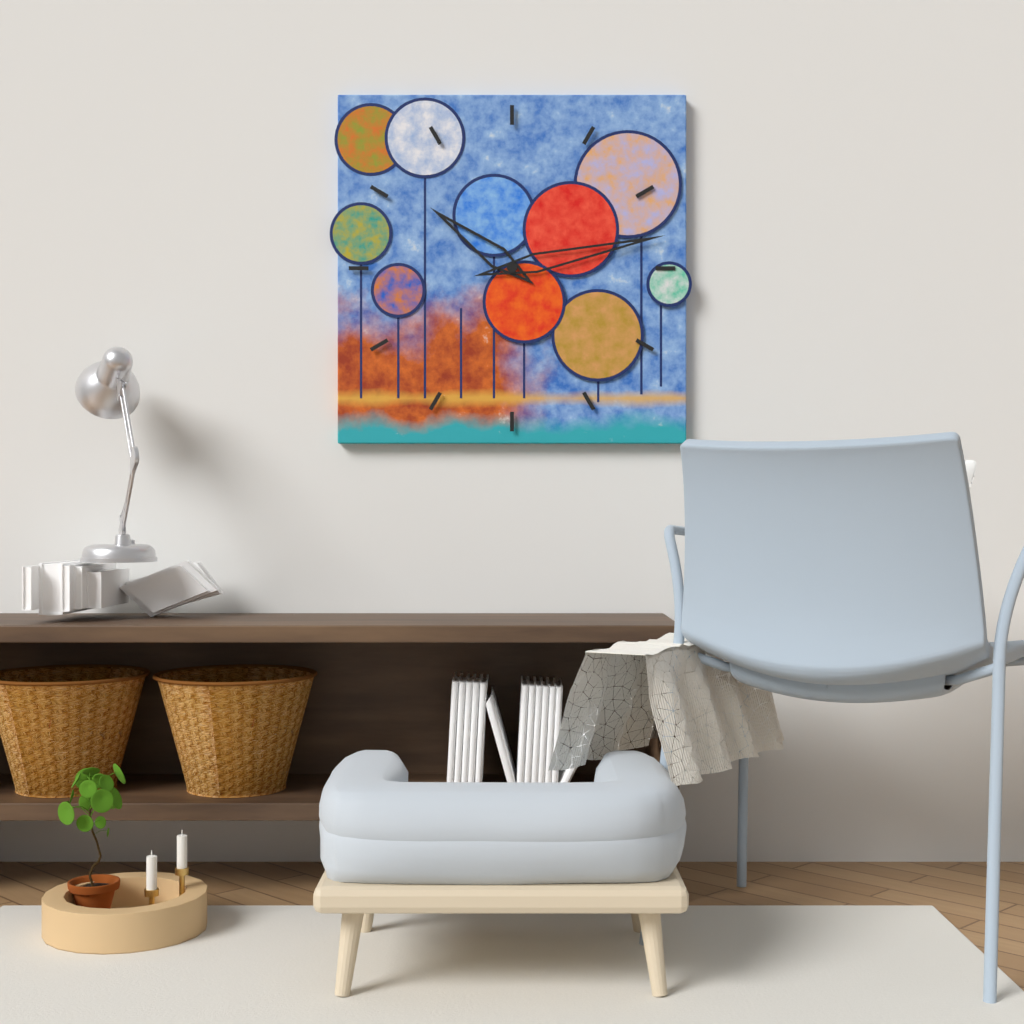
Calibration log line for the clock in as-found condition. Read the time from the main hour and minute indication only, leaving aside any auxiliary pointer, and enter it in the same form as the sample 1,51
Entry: 10,13
